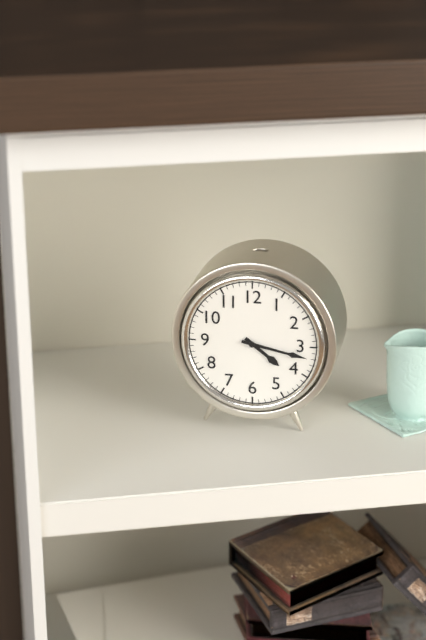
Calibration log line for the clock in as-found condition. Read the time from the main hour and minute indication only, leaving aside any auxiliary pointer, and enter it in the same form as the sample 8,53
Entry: 4,17
